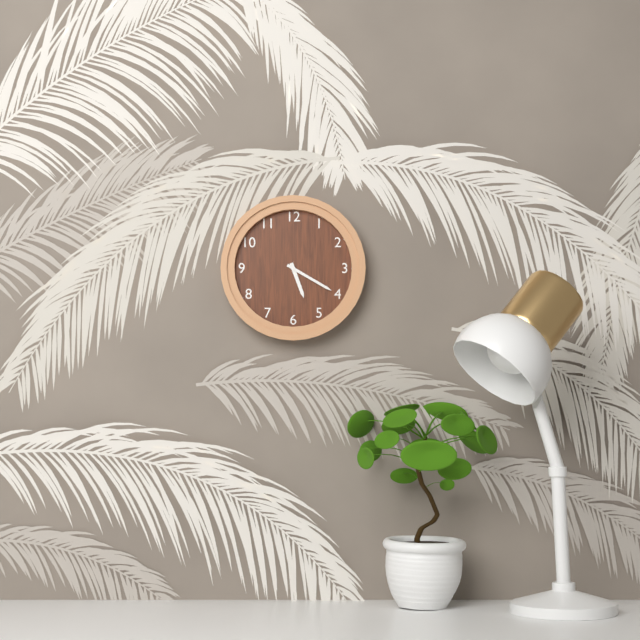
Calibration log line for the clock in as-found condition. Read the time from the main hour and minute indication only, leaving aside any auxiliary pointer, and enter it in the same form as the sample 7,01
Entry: 5,20
